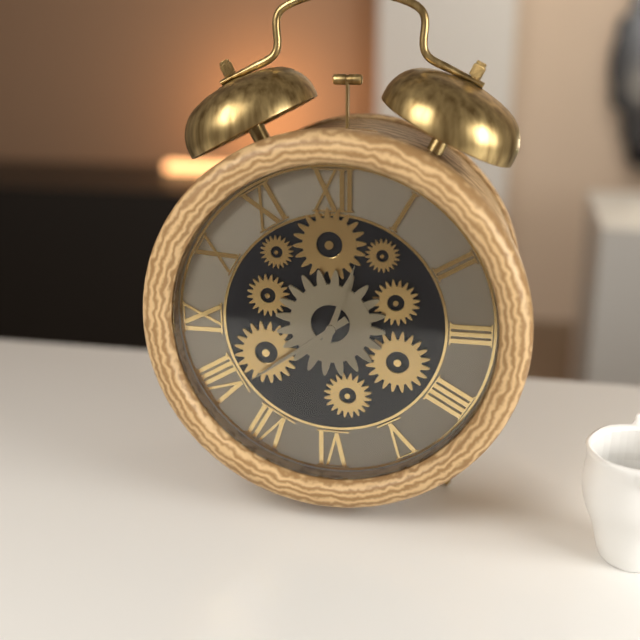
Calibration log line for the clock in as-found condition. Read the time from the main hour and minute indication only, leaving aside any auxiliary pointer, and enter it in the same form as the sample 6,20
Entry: 12,39
